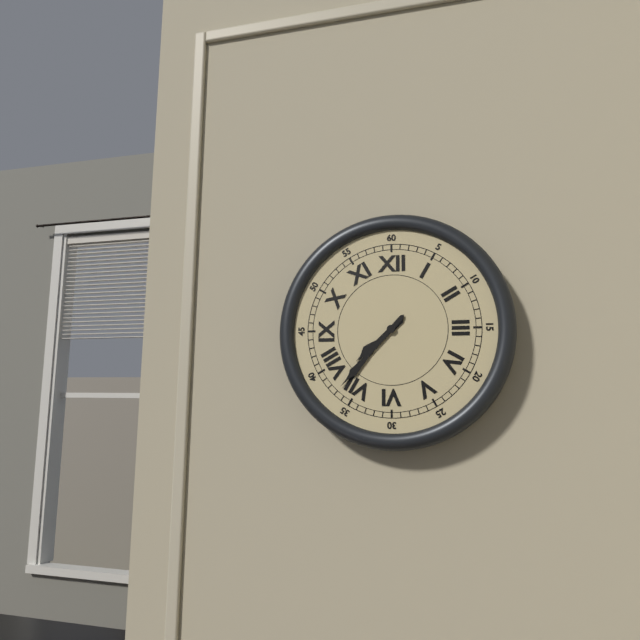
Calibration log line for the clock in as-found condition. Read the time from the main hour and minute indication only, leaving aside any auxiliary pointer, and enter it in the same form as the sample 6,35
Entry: 7,37
